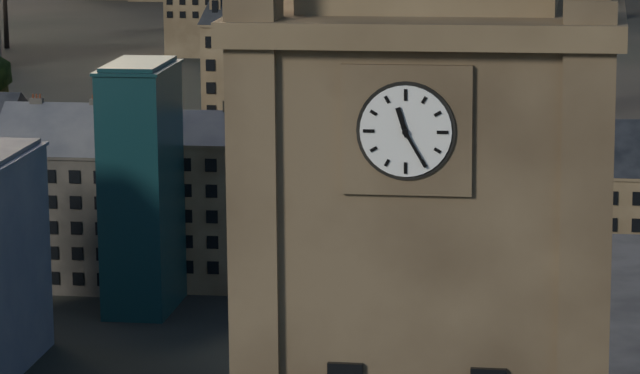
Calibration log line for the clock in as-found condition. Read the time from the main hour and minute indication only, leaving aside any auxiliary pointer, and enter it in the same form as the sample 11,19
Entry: 11,25
